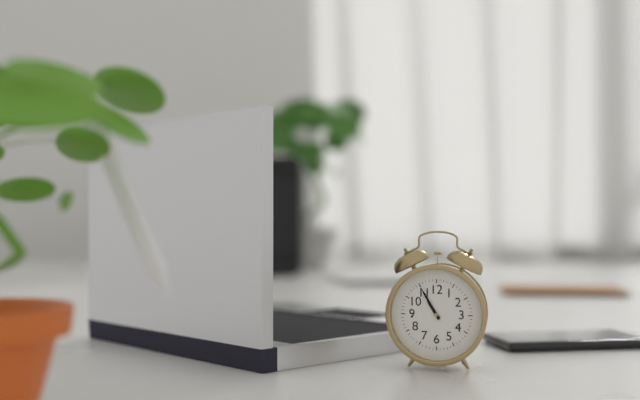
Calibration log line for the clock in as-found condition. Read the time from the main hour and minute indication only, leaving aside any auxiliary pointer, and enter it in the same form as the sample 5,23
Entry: 10,55
